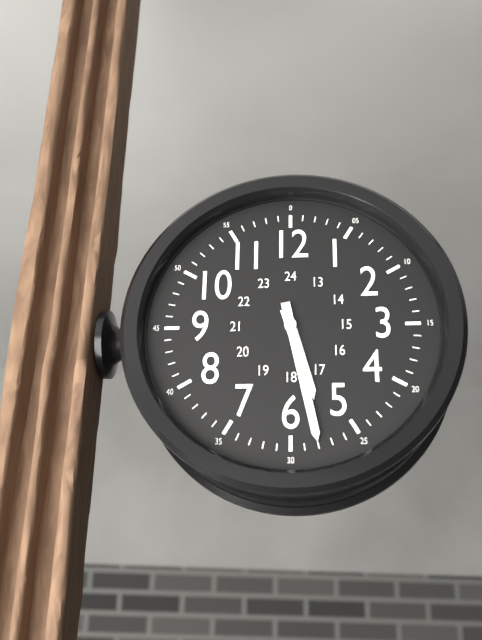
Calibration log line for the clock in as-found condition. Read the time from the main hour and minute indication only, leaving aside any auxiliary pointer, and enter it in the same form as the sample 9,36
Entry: 5,28
